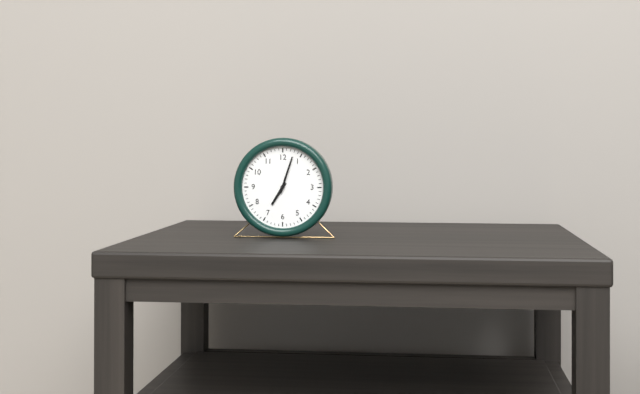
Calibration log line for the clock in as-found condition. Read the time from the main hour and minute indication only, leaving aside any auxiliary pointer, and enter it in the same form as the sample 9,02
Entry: 7,03
